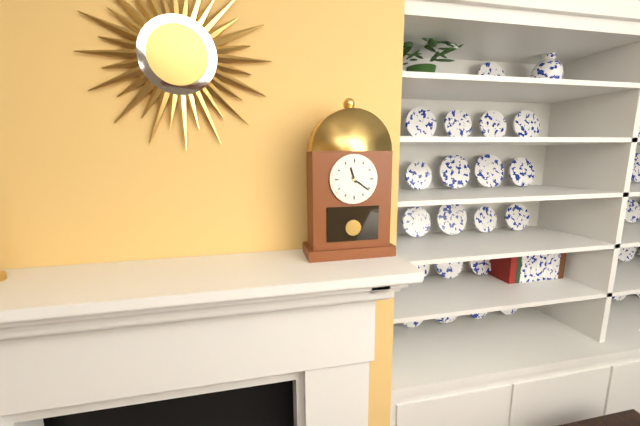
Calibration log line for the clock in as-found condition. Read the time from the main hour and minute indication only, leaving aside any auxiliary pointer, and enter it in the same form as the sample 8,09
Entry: 11,21
